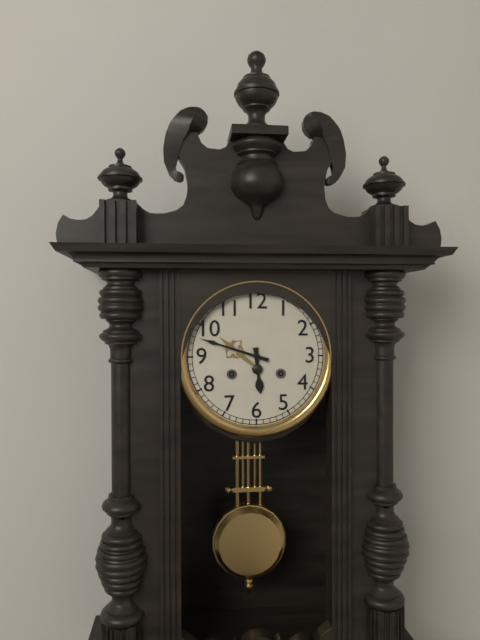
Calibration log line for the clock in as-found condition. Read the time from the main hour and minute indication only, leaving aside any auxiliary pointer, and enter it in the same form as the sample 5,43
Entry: 5,48
